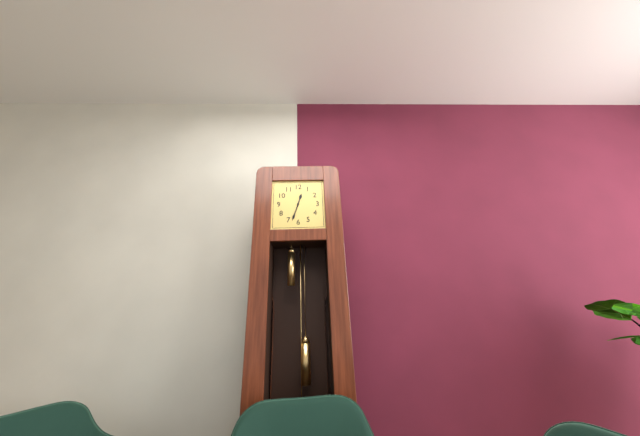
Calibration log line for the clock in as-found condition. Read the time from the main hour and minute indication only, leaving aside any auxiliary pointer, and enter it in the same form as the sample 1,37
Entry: 12,33
